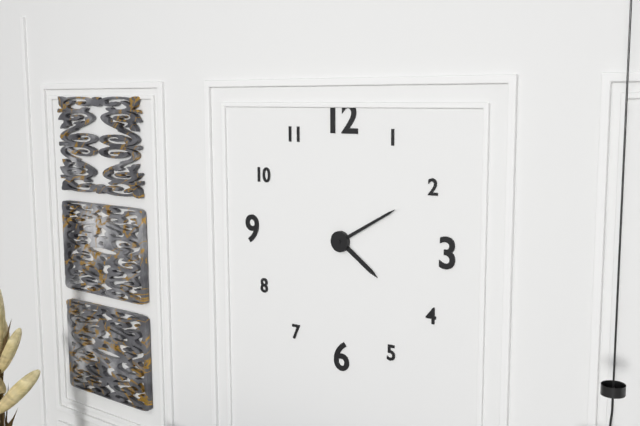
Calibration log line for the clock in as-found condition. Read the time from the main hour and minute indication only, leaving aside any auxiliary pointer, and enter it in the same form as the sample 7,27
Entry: 4,10
